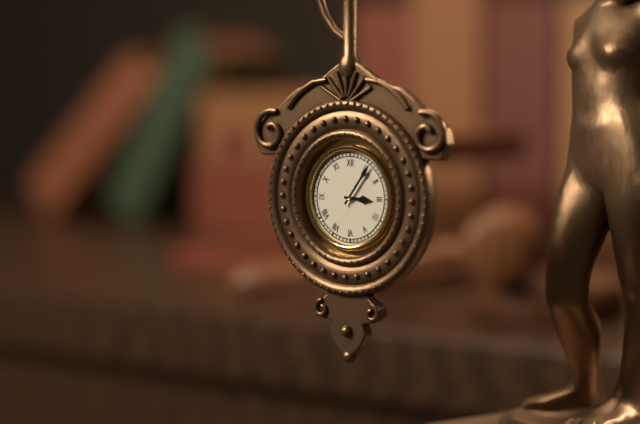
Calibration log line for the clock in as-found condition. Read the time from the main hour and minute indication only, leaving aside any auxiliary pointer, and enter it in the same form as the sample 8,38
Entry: 3,06
